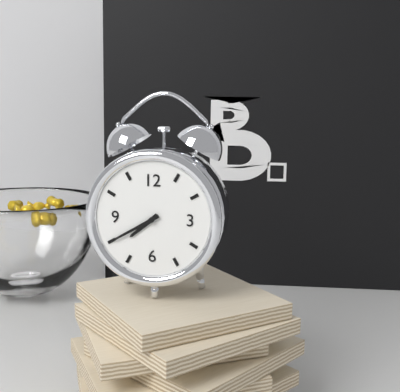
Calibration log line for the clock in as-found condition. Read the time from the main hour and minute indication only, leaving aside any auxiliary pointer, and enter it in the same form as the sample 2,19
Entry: 7,40
